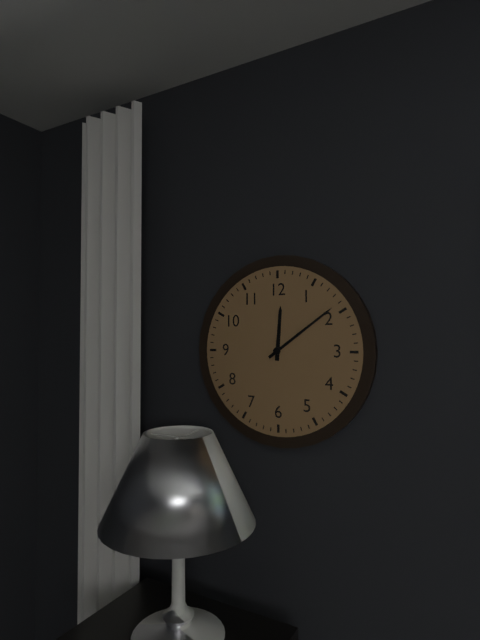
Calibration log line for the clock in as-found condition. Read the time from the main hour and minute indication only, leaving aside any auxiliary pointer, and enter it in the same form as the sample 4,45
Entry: 12,09
